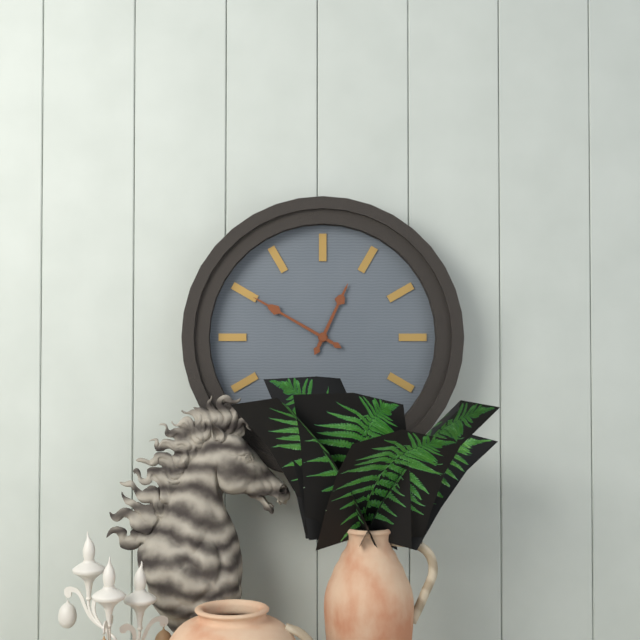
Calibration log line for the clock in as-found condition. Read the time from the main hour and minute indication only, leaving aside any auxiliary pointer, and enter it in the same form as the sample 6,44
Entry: 12,50
